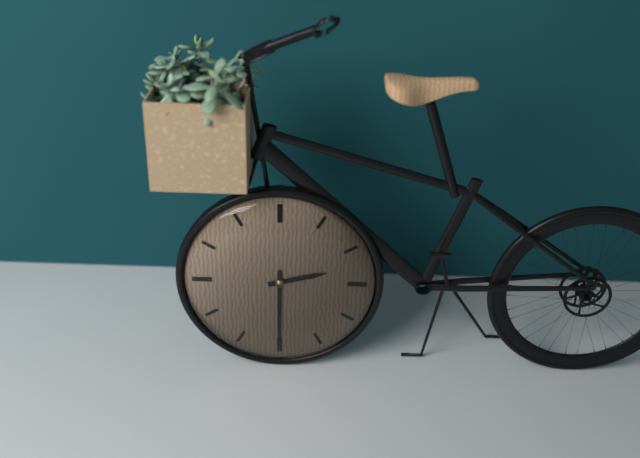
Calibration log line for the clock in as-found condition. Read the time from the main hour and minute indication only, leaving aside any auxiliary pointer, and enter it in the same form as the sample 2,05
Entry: 2,30
